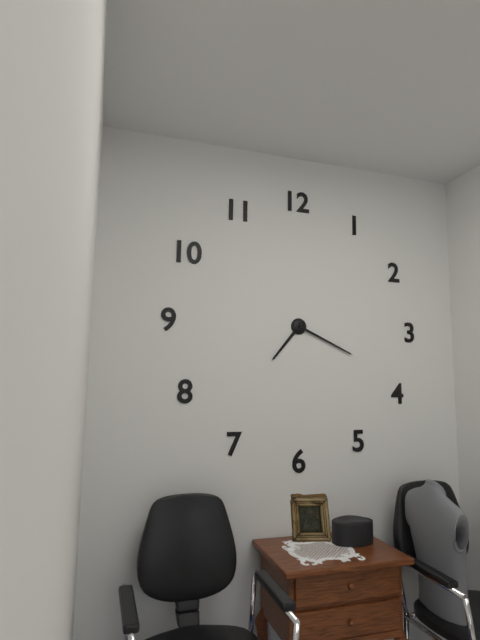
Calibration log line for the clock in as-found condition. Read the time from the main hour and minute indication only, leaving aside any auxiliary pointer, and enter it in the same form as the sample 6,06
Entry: 7,19
